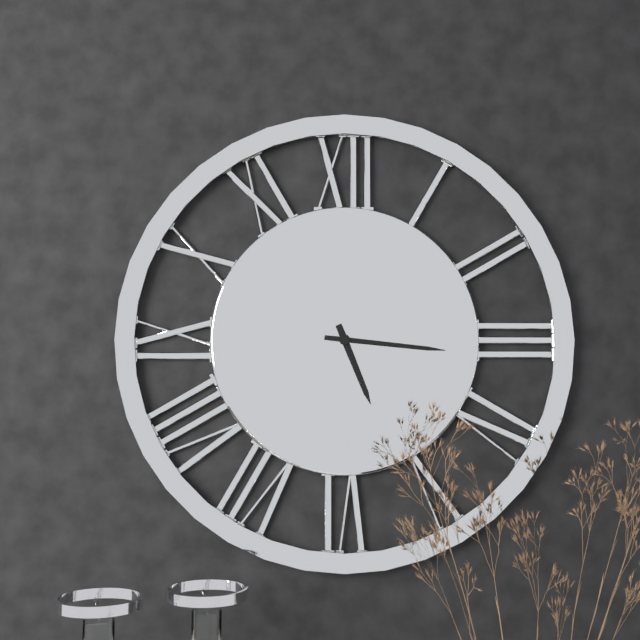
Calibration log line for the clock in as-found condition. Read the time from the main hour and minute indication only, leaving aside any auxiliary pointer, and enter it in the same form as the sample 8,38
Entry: 5,16
